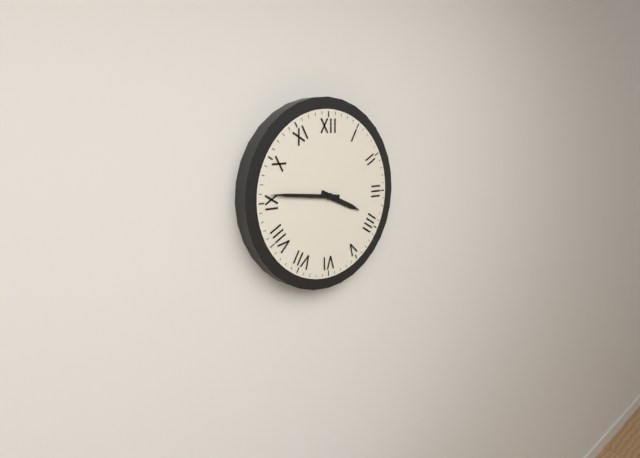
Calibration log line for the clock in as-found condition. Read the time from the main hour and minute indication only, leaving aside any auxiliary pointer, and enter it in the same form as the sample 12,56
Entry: 3,46
